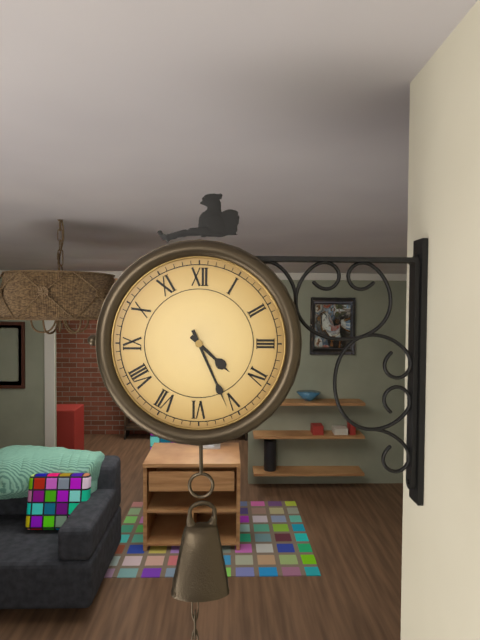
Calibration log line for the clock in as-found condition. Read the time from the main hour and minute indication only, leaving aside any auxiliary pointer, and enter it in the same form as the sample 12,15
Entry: 4,26
